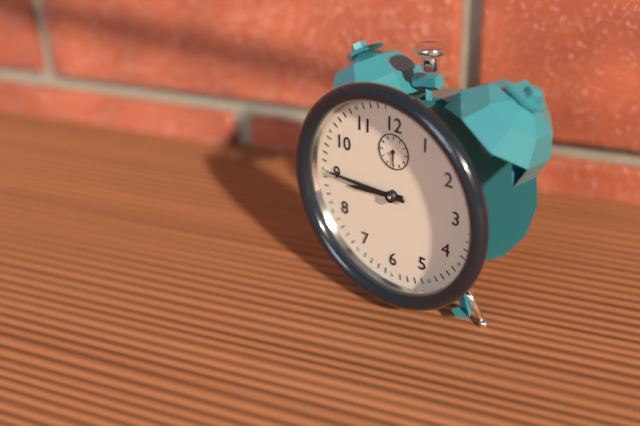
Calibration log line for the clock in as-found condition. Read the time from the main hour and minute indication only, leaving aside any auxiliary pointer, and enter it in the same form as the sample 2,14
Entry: 8,45
